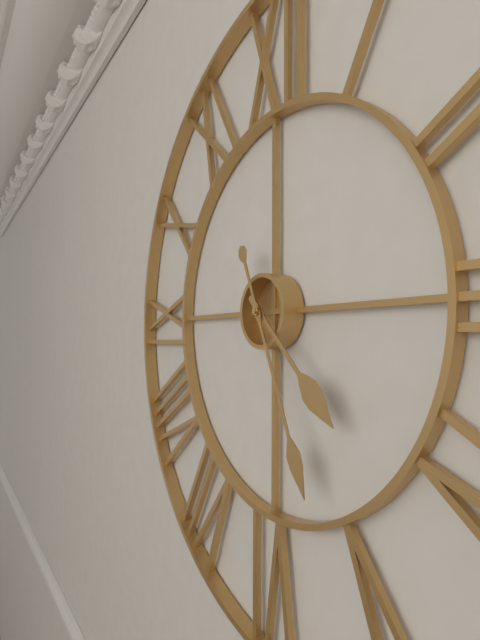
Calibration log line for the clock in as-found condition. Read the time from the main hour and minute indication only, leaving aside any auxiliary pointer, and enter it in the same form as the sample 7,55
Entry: 4,26
